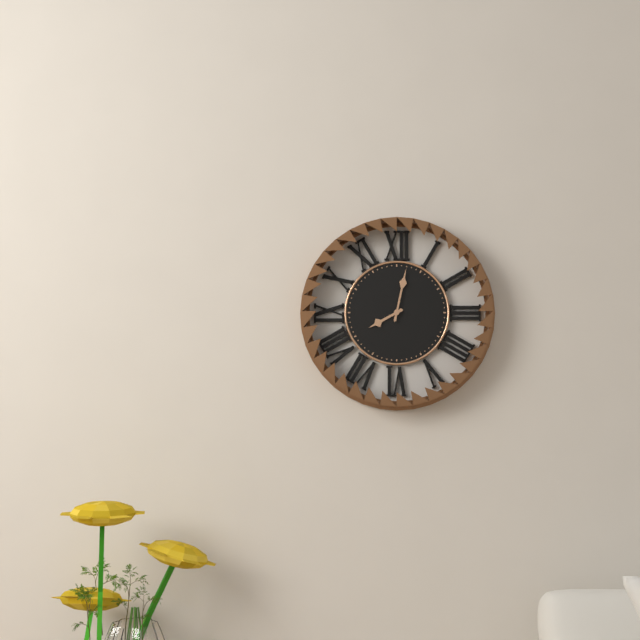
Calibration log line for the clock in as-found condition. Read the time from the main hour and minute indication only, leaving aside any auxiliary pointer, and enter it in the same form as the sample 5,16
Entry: 8,02
